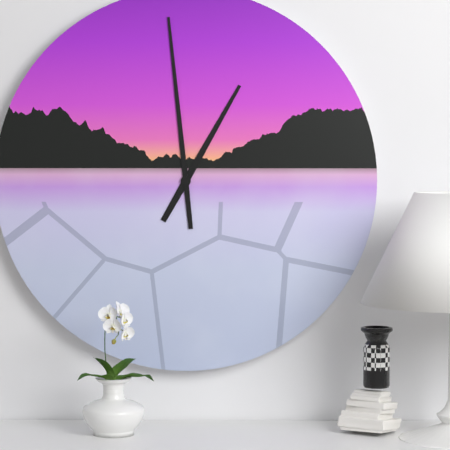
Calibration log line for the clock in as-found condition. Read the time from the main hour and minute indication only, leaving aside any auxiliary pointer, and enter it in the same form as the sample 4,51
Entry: 12,59
